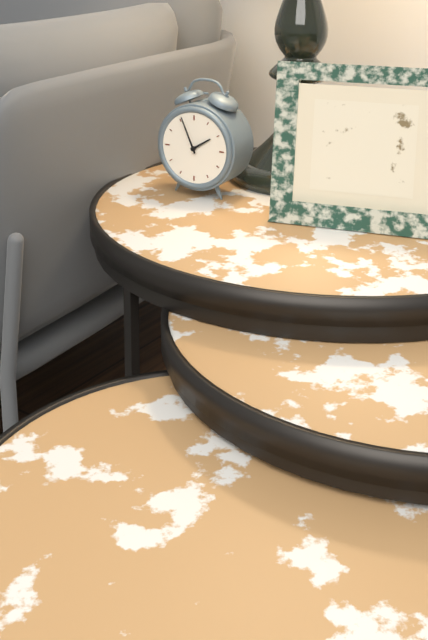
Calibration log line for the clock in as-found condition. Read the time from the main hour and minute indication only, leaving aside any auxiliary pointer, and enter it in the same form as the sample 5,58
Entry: 1,56
